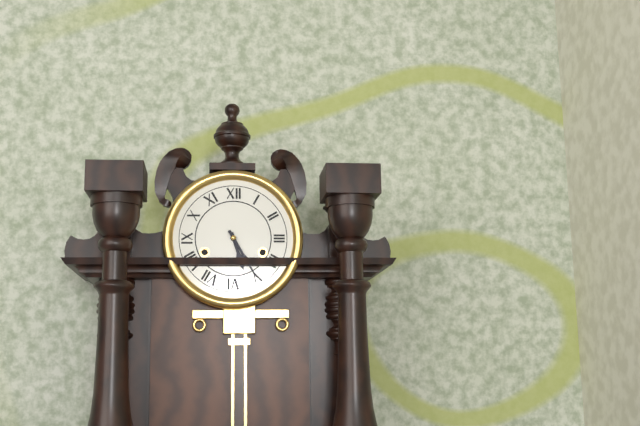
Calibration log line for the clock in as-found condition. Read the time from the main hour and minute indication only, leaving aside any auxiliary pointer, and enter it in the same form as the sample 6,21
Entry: 5,25
